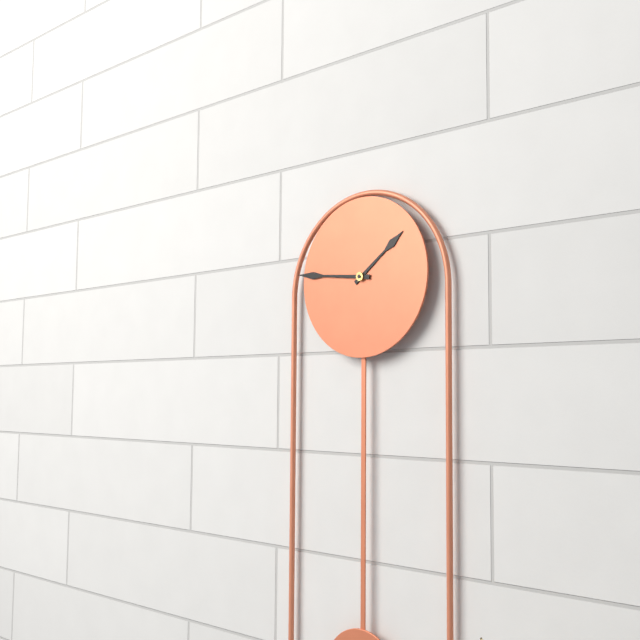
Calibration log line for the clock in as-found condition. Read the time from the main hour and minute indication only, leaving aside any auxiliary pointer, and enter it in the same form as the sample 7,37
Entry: 1,46
